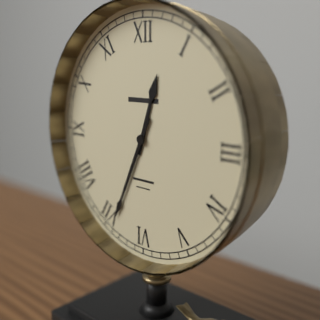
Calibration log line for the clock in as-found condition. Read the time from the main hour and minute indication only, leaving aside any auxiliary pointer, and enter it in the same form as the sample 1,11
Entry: 12,34
